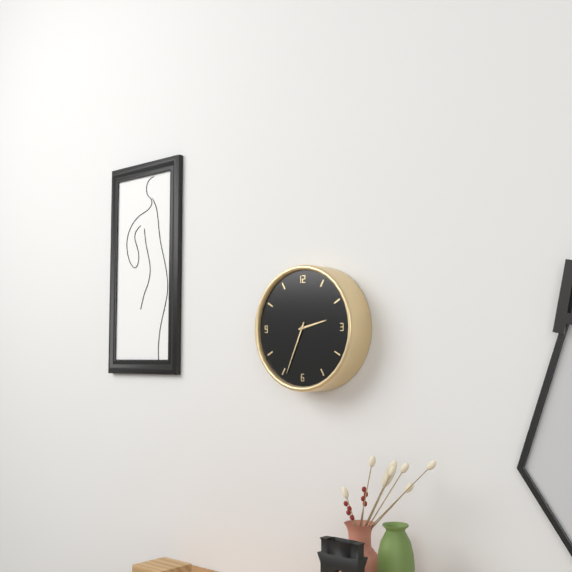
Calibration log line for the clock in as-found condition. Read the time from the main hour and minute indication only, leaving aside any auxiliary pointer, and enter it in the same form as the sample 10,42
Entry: 2,34
